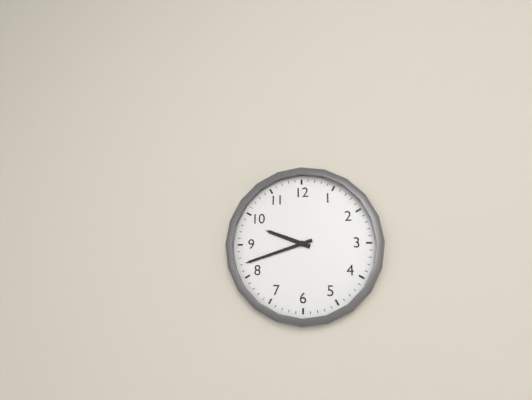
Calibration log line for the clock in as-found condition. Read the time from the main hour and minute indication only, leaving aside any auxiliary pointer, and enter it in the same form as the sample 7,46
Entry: 9,42
